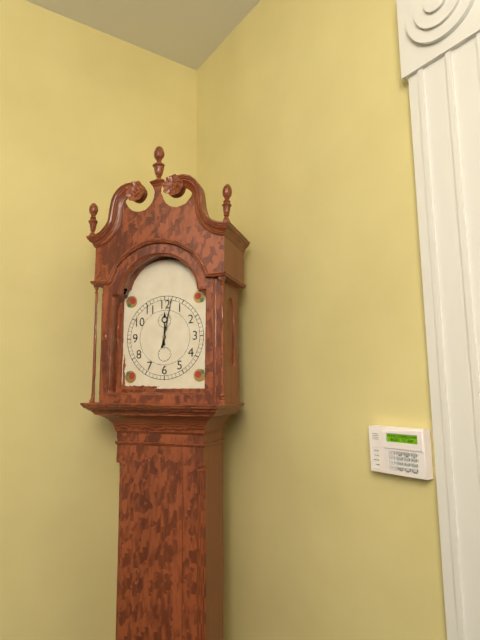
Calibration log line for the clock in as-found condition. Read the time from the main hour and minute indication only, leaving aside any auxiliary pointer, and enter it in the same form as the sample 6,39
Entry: 12,02
